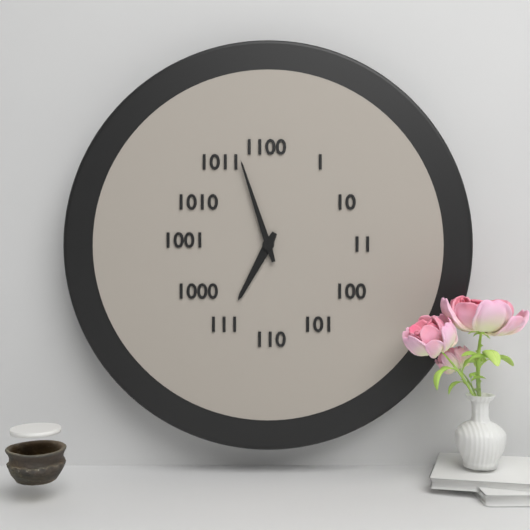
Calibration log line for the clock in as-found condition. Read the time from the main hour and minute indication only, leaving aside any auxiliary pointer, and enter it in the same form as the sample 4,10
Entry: 6,57
